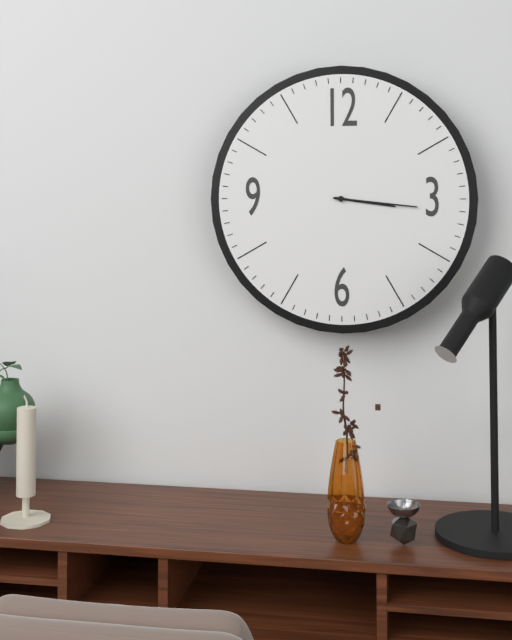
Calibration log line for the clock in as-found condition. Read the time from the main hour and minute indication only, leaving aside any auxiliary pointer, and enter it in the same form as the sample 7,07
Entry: 3,16
